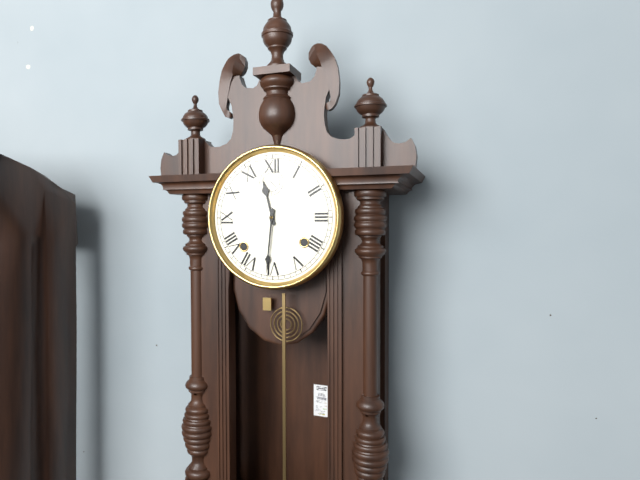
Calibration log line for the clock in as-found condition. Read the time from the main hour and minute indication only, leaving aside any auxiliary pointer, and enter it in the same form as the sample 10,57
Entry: 11,31
